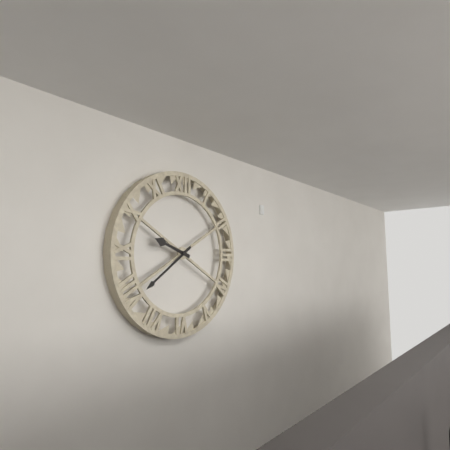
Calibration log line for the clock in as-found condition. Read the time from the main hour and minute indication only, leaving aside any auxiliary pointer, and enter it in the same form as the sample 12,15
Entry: 9,39
